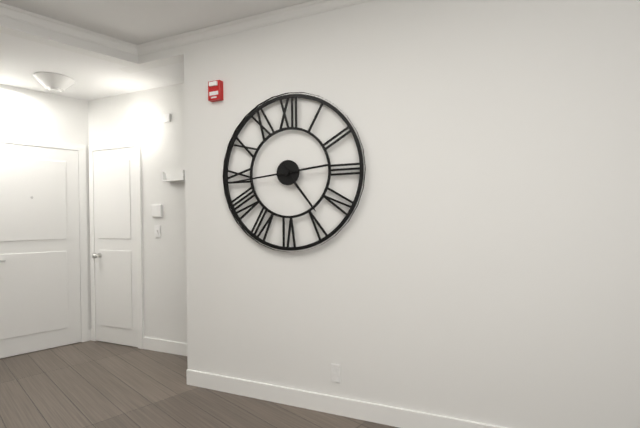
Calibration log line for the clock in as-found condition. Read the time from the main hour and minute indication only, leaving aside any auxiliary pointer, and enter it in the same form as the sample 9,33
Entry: 4,44
